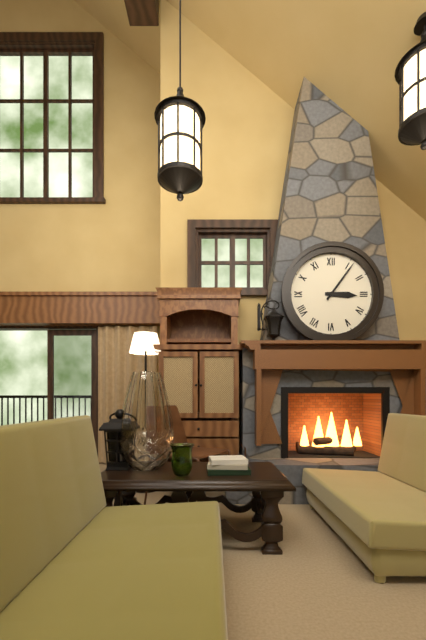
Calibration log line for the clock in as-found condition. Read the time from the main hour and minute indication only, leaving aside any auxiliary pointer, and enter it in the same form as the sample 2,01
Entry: 3,06
